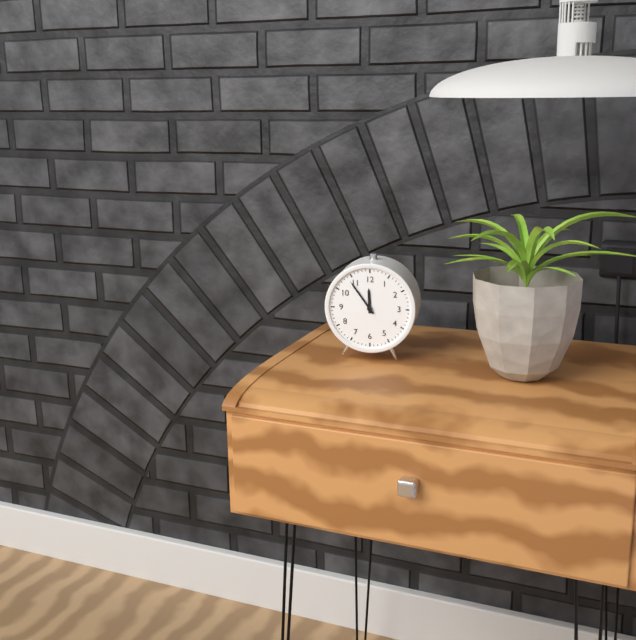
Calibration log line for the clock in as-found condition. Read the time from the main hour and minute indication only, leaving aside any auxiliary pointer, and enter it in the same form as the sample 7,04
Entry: 11,54
